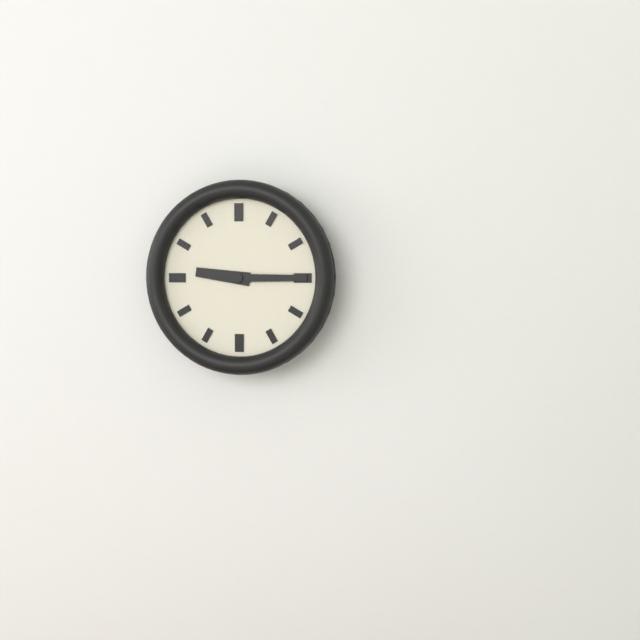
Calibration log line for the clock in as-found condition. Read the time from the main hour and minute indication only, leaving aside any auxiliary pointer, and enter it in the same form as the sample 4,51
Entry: 9,15
